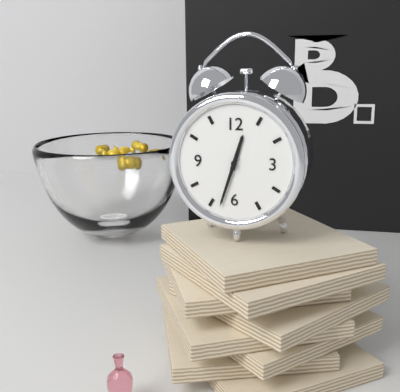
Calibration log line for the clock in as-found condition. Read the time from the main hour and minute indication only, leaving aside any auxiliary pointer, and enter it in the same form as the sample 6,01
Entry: 12,33
